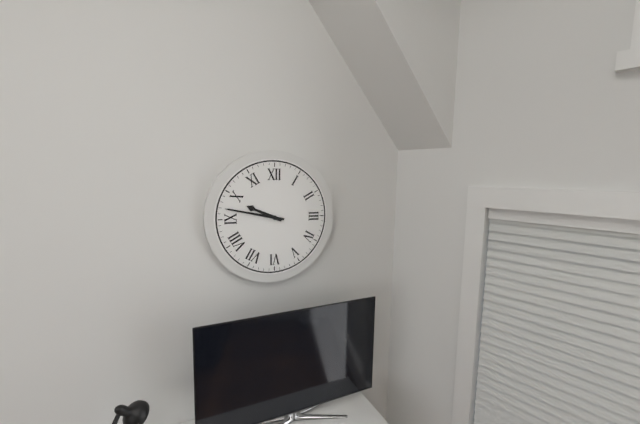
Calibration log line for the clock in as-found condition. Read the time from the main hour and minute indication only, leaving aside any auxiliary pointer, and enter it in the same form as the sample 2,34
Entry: 9,47
